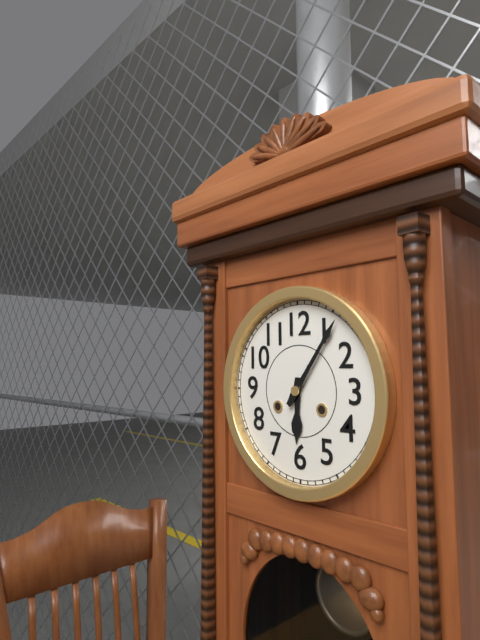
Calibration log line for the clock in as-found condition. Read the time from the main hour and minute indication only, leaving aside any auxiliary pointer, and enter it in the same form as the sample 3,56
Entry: 6,06
